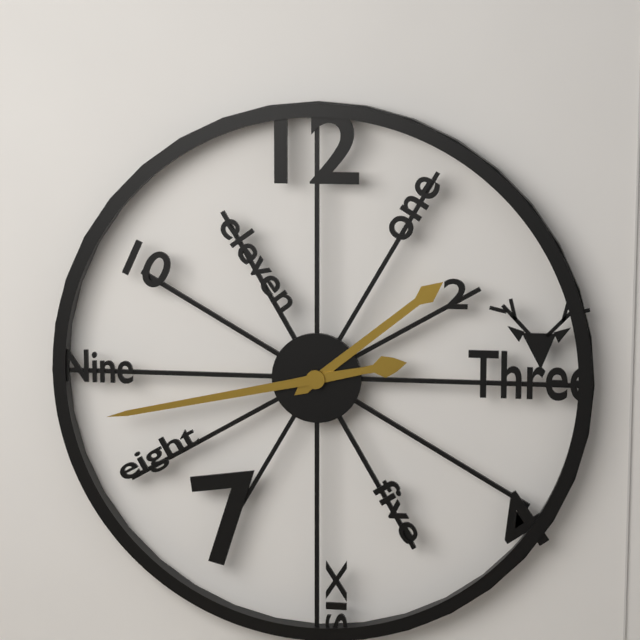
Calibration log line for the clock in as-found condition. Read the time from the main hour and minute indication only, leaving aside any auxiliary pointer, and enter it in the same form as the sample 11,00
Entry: 1,43
